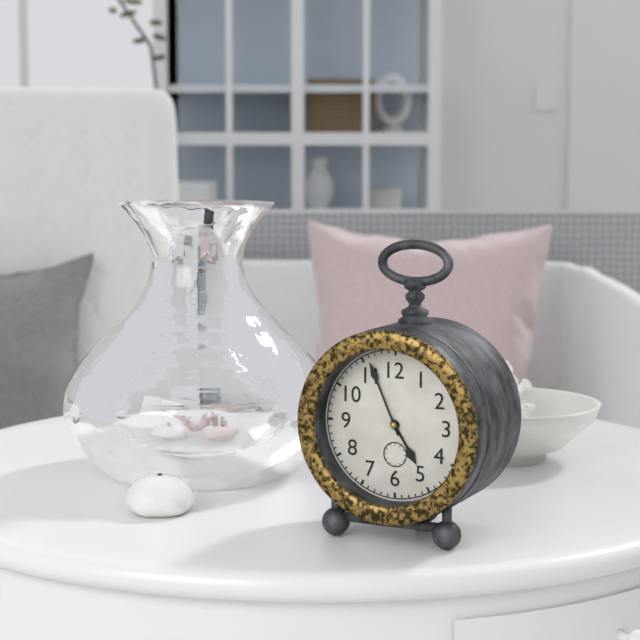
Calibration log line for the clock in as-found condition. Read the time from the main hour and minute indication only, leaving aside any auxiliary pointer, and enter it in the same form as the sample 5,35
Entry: 4,56
